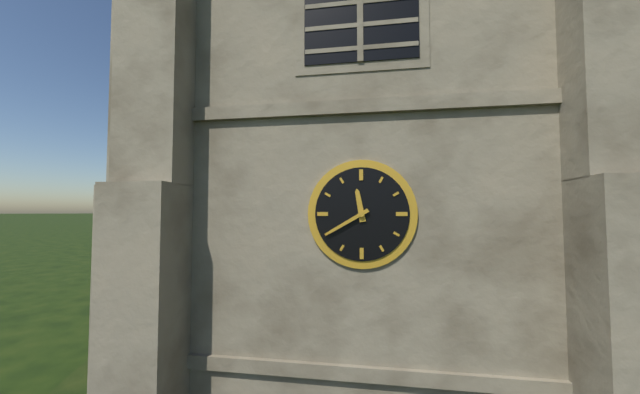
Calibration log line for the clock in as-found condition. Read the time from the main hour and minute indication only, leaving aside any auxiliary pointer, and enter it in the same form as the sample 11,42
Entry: 11,40
